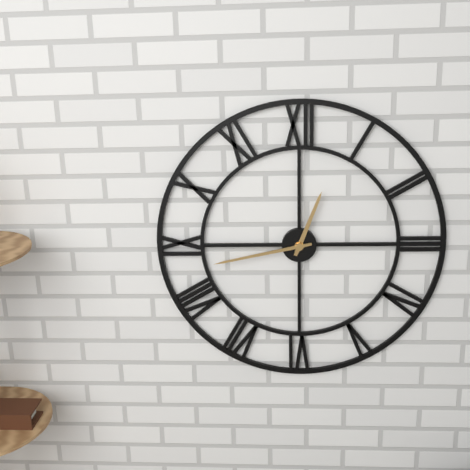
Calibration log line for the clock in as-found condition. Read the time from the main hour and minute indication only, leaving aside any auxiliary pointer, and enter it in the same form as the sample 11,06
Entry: 12,43
